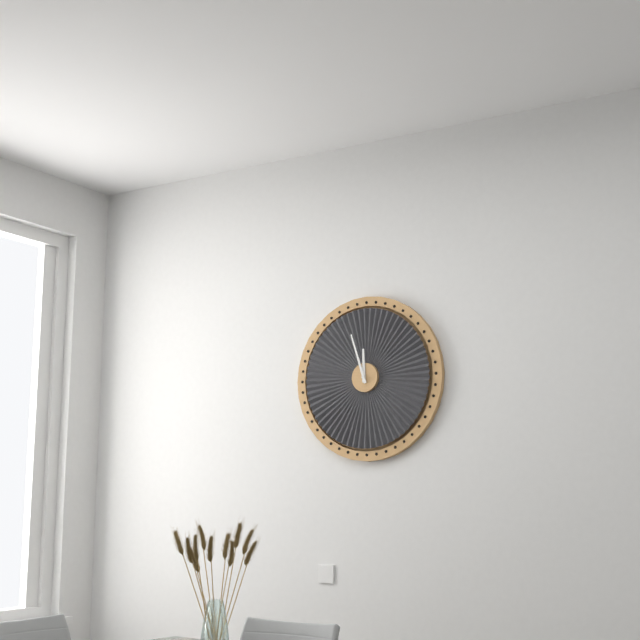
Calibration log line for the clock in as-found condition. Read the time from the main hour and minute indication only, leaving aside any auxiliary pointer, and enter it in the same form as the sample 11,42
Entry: 11,57
